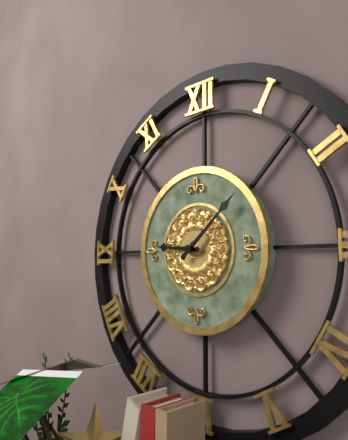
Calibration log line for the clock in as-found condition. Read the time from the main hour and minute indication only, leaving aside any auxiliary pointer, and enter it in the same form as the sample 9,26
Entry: 9,08
